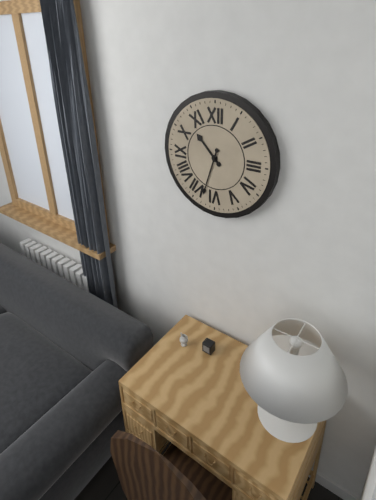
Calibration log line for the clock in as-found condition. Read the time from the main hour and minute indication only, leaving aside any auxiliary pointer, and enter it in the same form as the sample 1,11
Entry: 10,33
